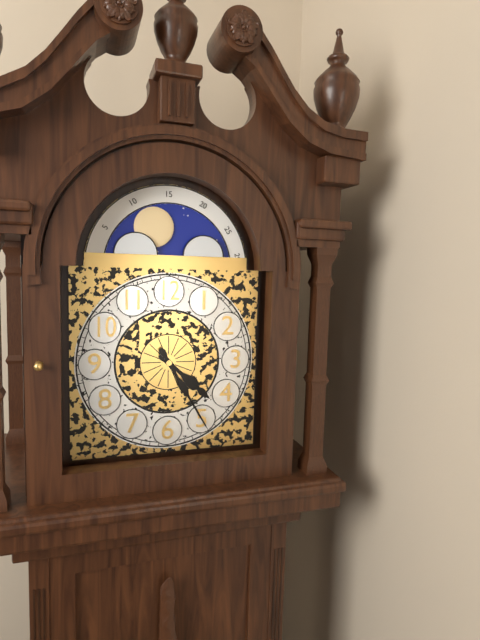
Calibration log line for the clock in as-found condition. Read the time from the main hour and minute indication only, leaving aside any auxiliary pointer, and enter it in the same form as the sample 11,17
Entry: 4,25
